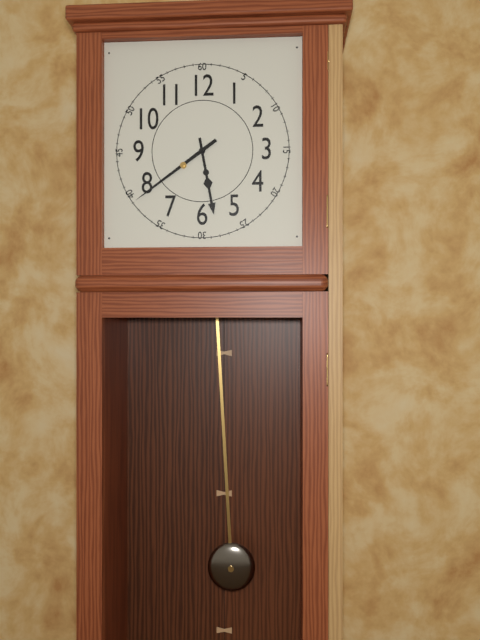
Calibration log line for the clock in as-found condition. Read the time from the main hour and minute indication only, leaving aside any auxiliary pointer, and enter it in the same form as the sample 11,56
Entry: 5,39
